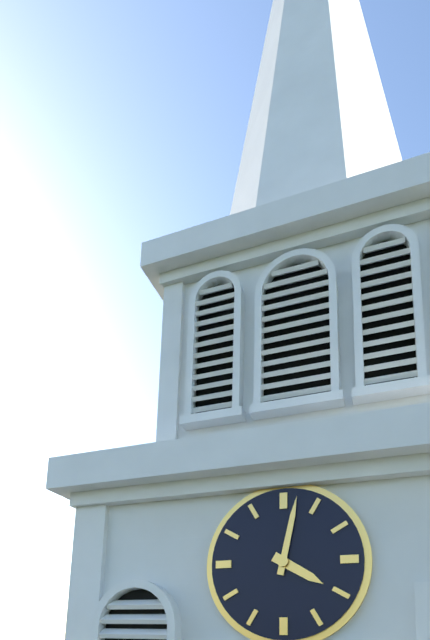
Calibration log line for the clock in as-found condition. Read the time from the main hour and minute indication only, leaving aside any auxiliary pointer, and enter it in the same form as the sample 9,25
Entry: 4,02
